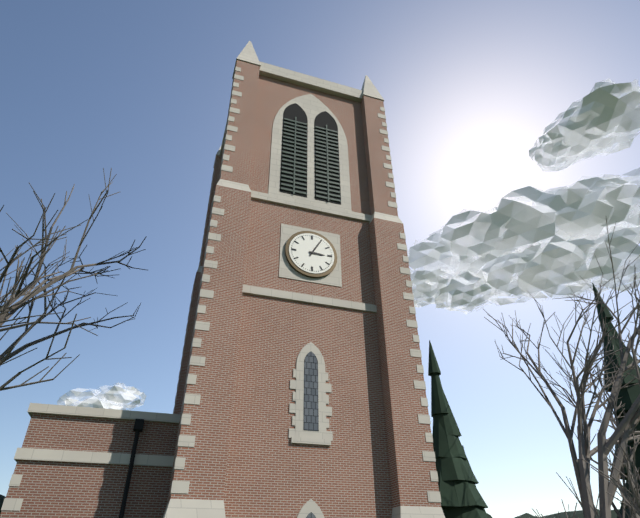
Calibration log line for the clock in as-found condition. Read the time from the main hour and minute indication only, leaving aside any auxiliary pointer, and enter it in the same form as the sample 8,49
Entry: 3,05
